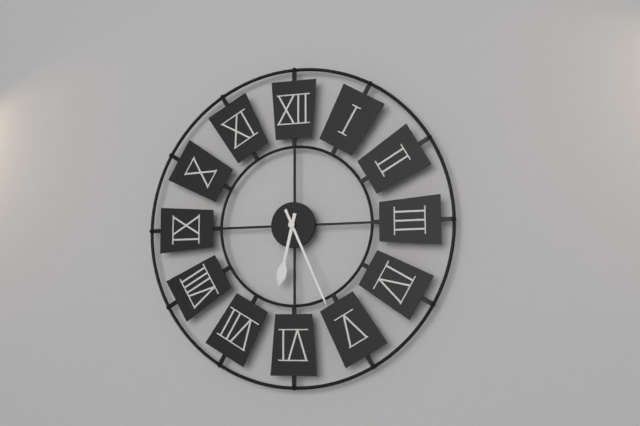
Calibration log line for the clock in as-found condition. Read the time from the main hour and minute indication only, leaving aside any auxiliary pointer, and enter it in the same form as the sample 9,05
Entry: 6,26
